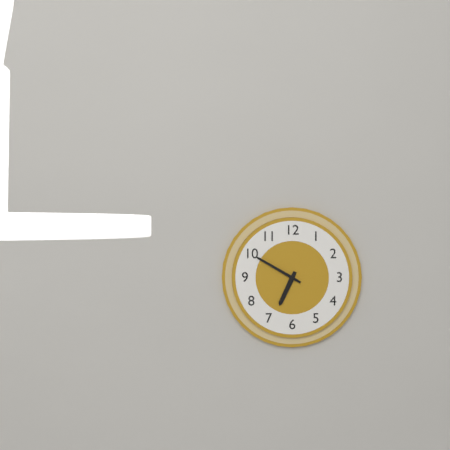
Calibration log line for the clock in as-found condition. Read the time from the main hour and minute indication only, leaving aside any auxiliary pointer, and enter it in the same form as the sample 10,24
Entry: 6,50
